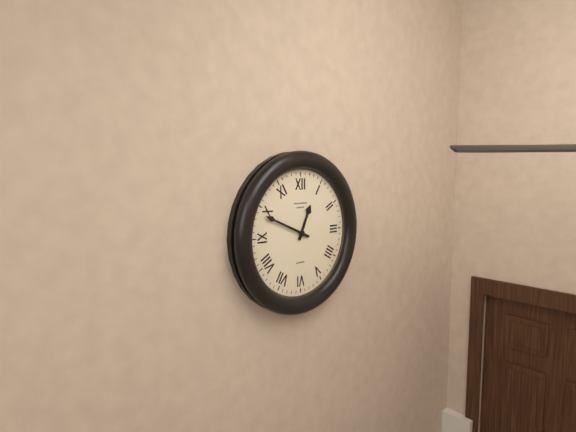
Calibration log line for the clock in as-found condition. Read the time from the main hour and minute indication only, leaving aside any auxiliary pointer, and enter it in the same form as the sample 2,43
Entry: 12,49
